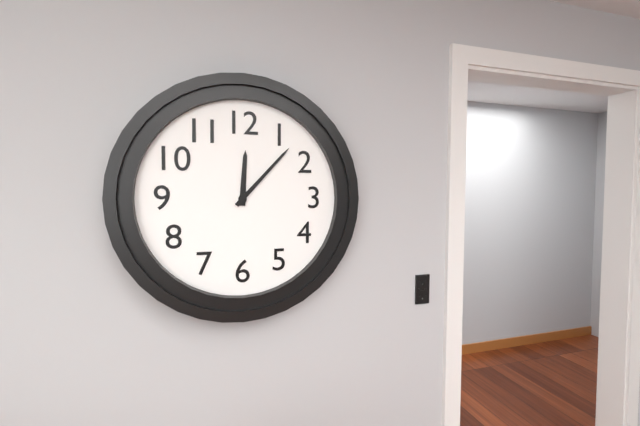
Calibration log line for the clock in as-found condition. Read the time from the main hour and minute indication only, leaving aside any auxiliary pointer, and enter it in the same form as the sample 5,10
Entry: 12,07
